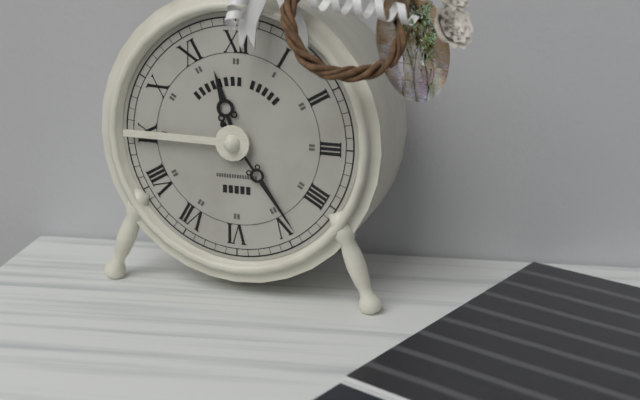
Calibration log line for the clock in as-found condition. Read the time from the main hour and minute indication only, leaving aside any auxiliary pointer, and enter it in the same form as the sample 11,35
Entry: 11,24
